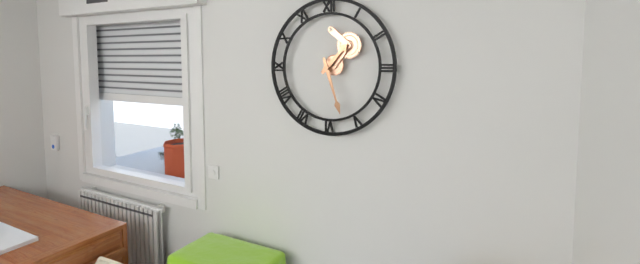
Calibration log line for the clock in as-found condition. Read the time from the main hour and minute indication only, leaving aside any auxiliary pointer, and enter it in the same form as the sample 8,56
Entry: 1,27
